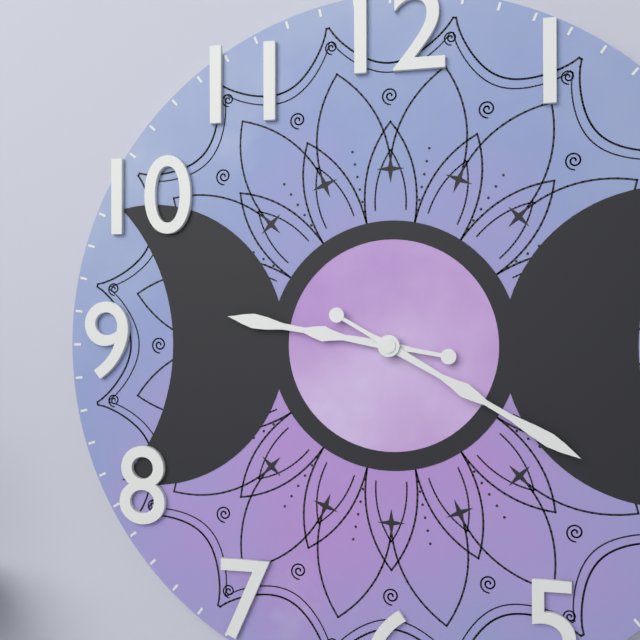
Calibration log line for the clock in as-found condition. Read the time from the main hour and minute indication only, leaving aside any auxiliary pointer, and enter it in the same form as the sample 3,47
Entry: 9,20
